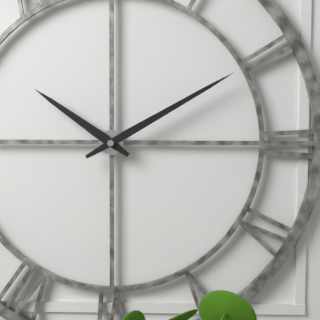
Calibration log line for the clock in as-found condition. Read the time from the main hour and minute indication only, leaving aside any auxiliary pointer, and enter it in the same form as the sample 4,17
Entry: 10,10
